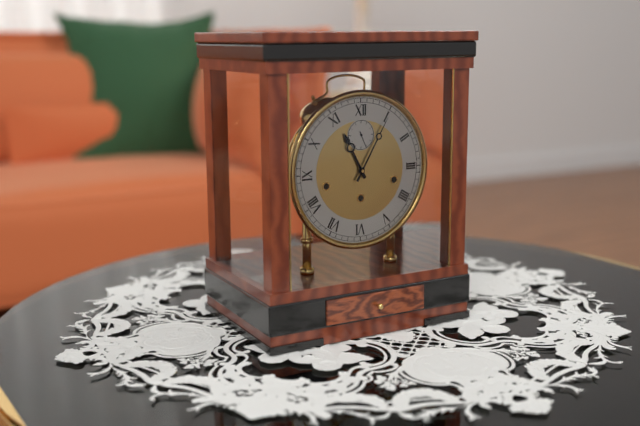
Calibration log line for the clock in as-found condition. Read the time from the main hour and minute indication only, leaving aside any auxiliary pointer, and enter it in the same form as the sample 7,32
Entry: 11,05
